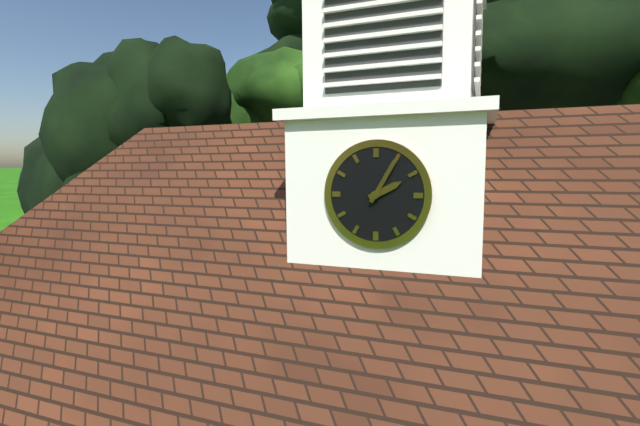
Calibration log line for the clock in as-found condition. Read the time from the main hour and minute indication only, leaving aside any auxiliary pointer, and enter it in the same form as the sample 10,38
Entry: 2,05
